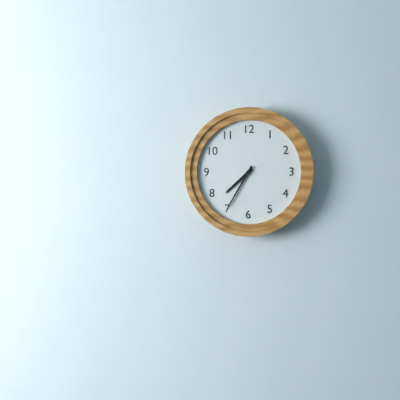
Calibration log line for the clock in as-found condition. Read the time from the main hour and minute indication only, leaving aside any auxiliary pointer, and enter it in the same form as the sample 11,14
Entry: 7,35
